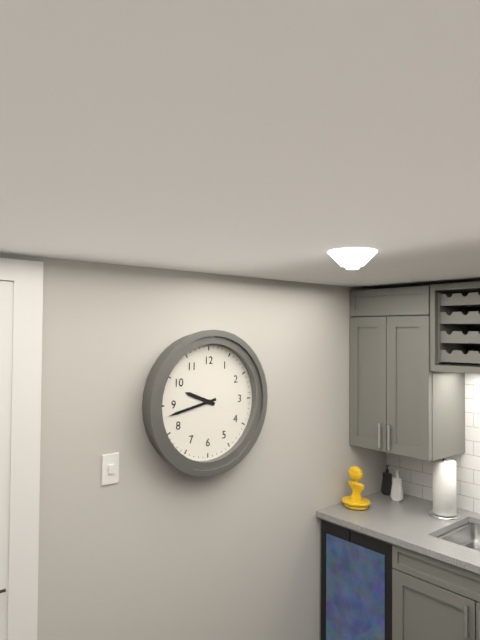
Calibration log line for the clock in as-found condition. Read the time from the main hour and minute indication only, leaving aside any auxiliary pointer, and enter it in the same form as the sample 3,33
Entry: 9,43
